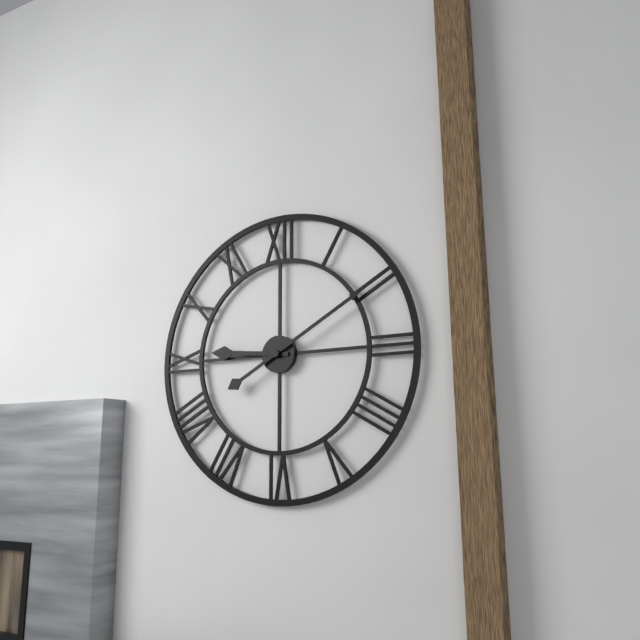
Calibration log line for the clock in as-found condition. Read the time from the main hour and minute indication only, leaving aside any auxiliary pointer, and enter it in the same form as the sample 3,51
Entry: 9,10
